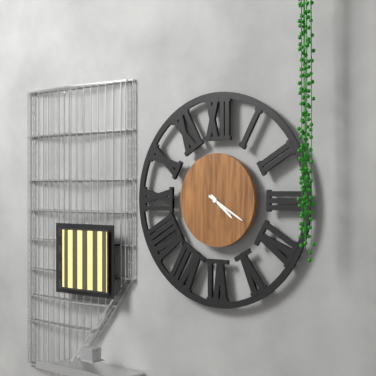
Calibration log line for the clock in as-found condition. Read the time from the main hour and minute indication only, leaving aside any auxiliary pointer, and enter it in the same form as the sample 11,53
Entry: 4,20
